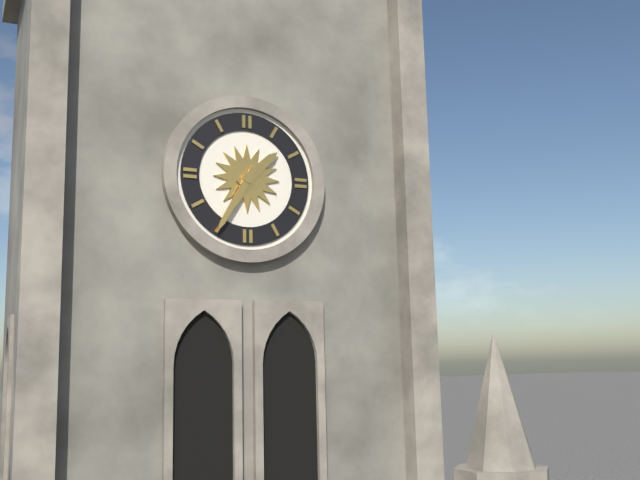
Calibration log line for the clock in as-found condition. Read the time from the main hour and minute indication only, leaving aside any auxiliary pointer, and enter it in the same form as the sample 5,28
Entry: 1,35
